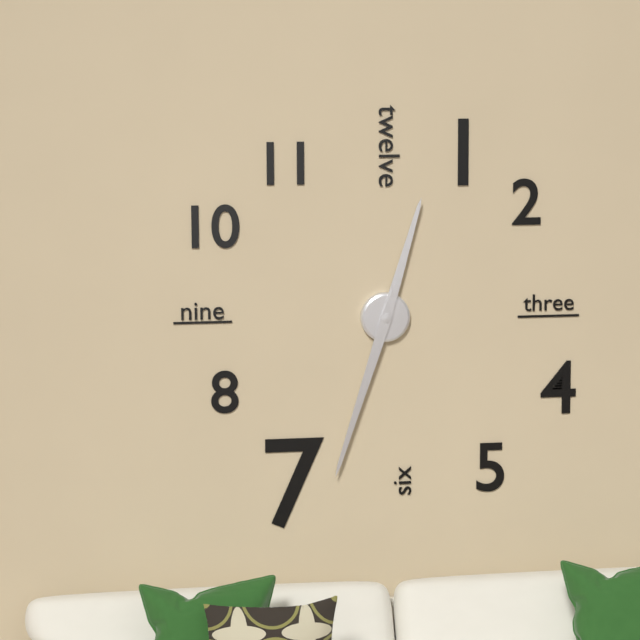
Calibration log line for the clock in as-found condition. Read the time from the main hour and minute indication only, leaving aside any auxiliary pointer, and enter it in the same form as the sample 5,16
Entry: 12,33
